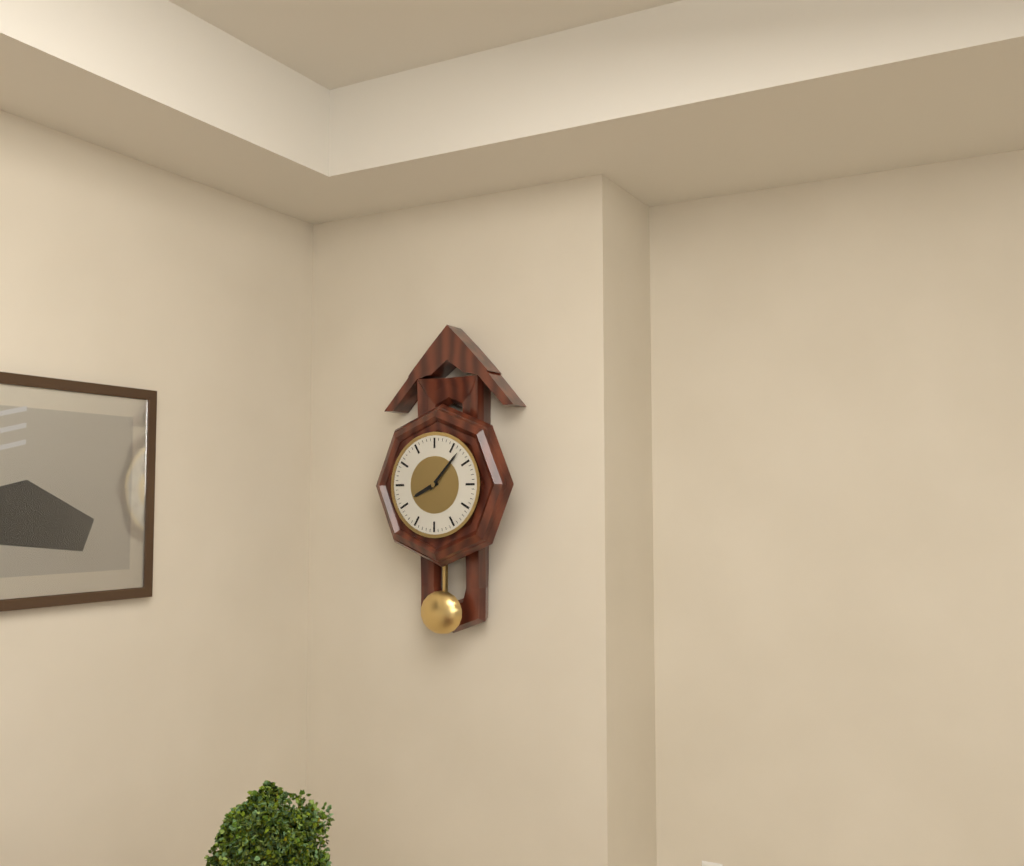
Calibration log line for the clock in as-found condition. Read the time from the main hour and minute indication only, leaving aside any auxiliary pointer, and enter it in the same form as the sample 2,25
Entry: 8,07
